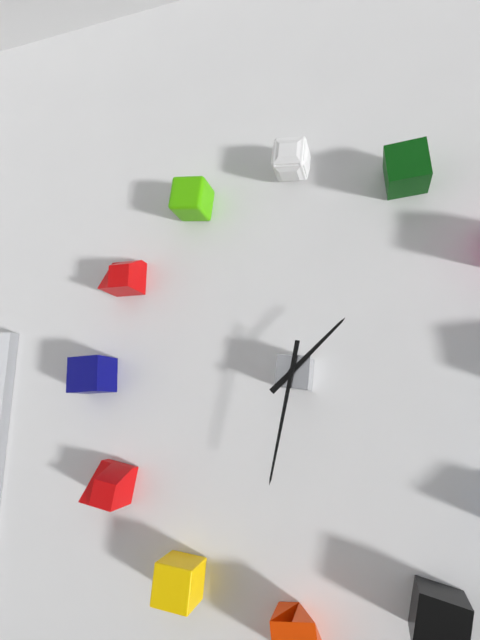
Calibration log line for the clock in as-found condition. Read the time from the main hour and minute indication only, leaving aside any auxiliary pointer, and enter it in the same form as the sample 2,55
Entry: 1,32
